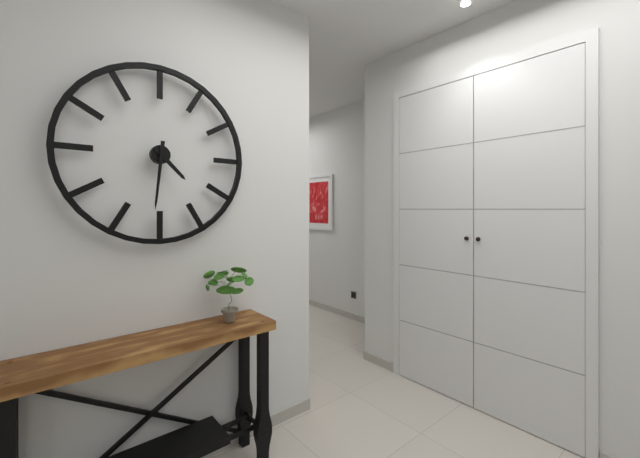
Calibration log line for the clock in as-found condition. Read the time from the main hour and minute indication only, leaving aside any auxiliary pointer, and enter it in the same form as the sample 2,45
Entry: 4,31
